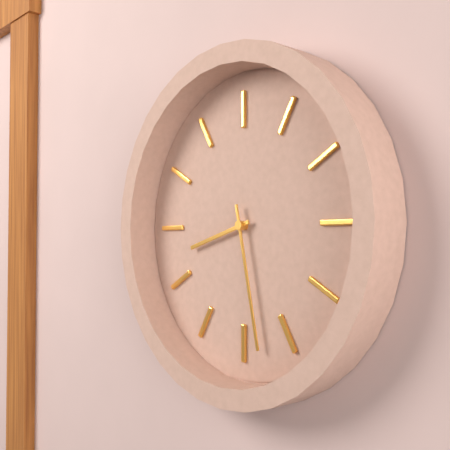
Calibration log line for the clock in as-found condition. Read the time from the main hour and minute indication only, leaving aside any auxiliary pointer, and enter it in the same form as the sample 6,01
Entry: 8,28
